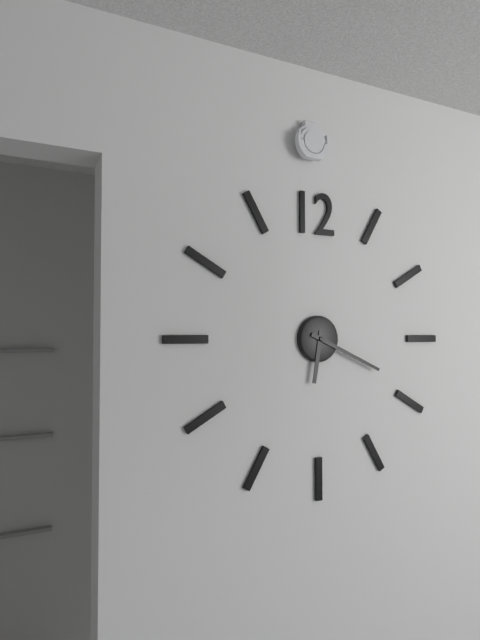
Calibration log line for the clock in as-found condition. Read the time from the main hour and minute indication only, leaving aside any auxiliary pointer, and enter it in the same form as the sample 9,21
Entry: 6,19
